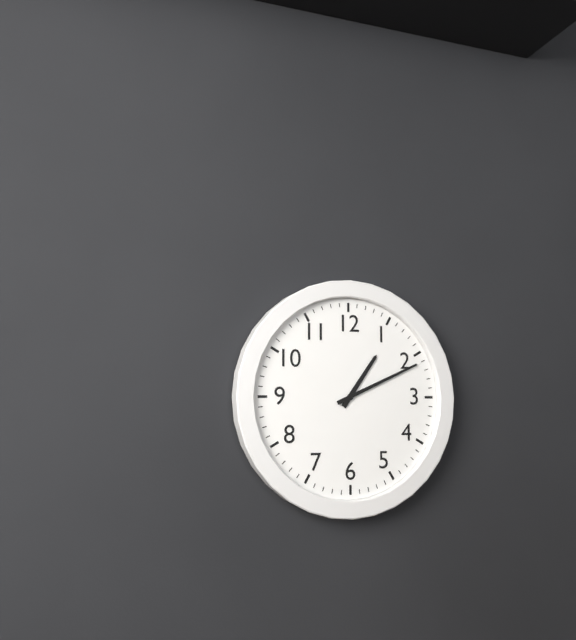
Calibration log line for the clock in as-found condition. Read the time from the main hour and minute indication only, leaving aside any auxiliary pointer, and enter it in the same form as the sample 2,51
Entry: 1,11
